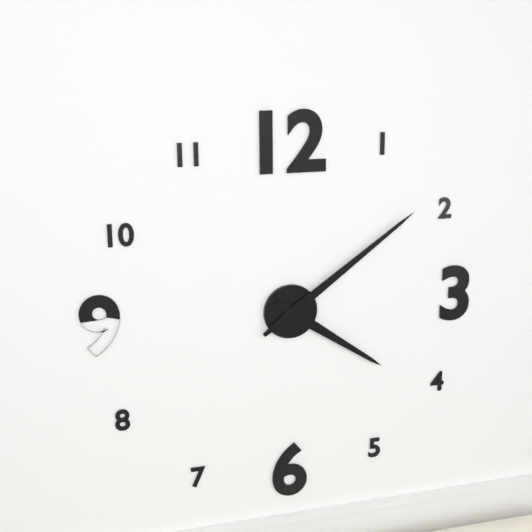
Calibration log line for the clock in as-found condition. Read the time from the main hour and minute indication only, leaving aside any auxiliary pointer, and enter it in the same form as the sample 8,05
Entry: 4,09
